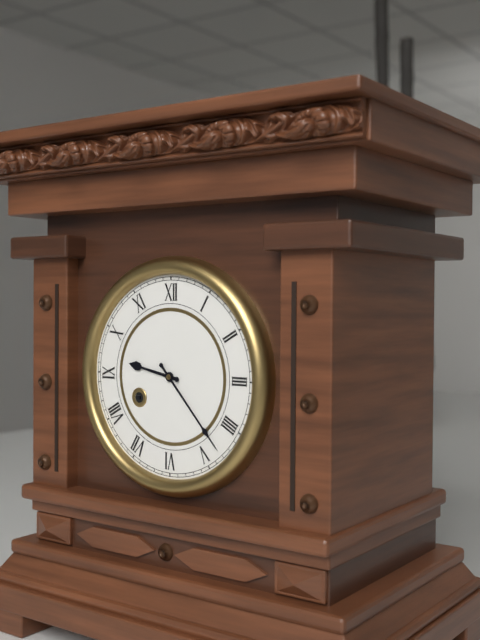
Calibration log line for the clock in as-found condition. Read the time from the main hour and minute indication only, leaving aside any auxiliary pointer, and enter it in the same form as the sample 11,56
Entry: 9,23
